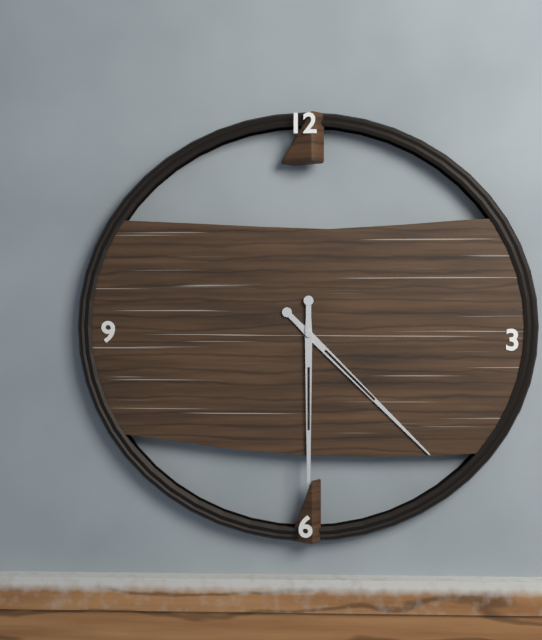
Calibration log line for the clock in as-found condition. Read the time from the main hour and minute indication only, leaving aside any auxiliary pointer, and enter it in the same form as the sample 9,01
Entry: 4,30
